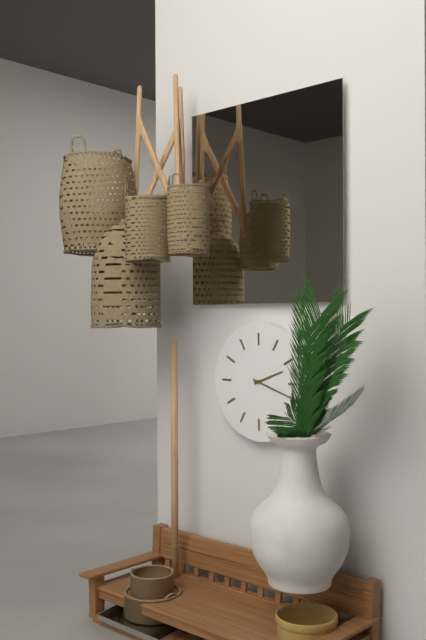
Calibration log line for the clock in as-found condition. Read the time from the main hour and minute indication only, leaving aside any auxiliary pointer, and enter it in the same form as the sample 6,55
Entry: 2,18
